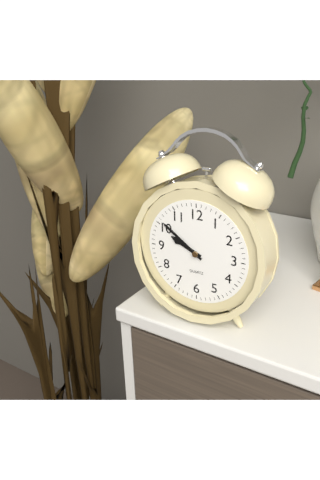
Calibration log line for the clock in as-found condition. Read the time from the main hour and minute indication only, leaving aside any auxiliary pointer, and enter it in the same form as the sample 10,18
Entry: 9,51
